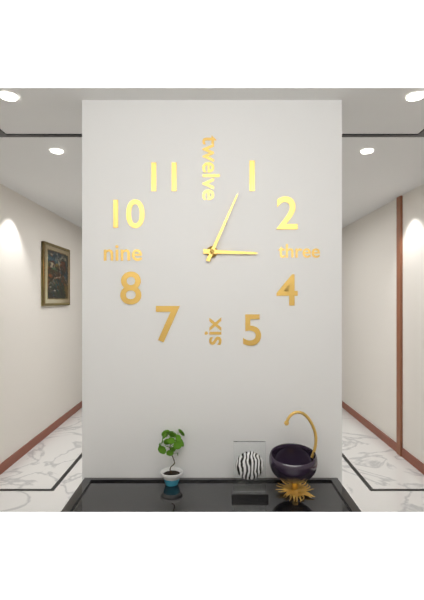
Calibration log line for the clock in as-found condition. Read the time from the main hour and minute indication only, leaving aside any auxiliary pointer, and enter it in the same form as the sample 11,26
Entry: 3,04
